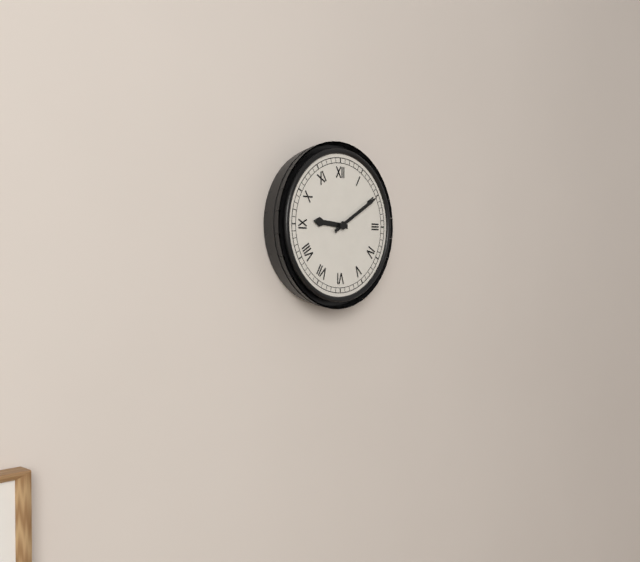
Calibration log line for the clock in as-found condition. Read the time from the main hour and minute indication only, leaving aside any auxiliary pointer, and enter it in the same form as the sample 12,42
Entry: 9,10
